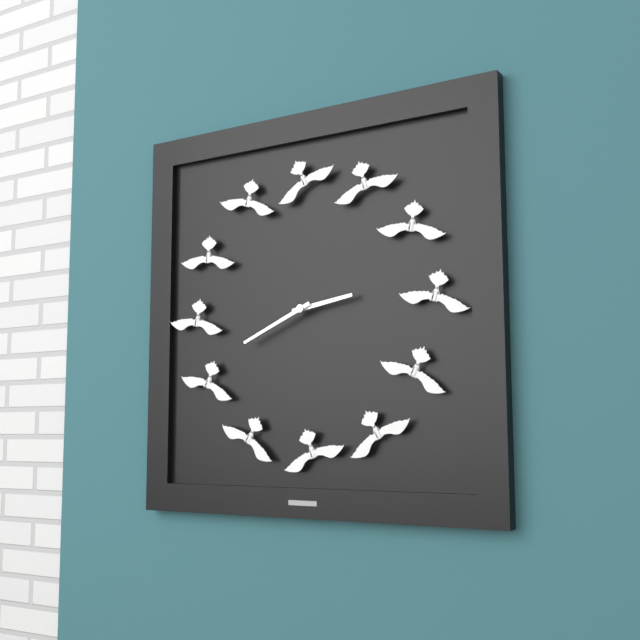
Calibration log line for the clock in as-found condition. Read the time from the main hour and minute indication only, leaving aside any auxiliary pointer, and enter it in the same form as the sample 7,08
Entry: 2,41
